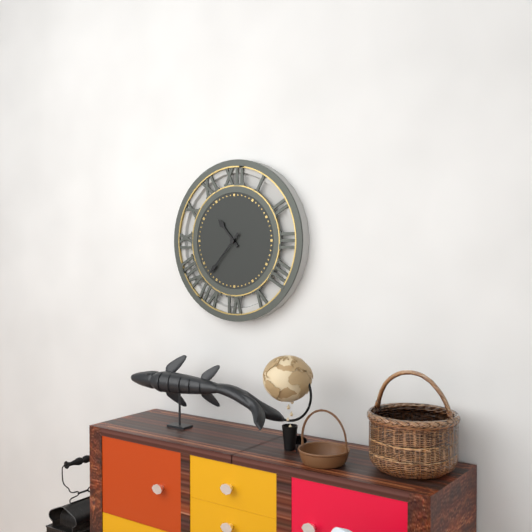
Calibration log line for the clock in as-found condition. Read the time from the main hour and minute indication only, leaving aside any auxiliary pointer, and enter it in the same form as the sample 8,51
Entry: 10,37
